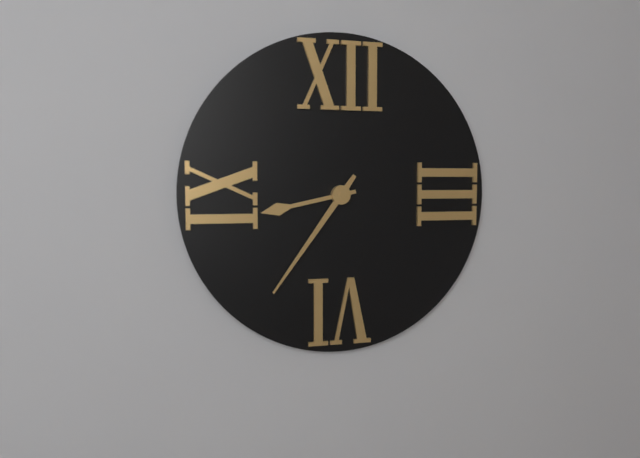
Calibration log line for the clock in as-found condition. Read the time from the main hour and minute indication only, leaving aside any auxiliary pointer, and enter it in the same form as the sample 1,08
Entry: 8,36
